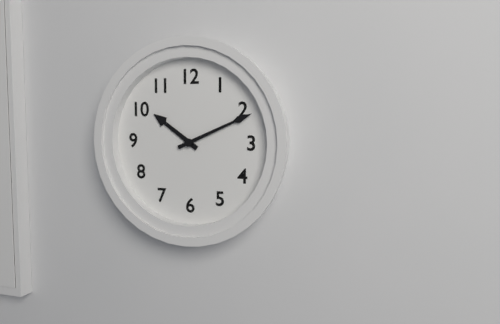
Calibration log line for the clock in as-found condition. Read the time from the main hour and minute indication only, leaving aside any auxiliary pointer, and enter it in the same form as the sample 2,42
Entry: 10,11
